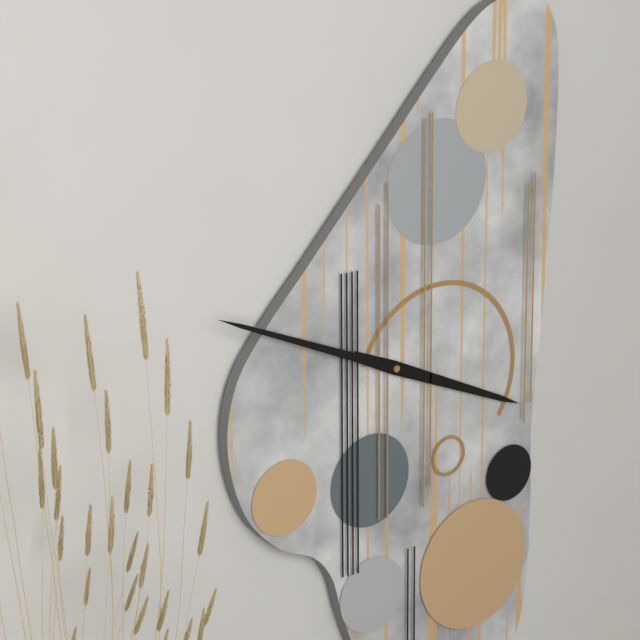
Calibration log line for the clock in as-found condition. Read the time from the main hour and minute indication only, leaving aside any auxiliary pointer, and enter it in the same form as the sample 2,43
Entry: 3,49
